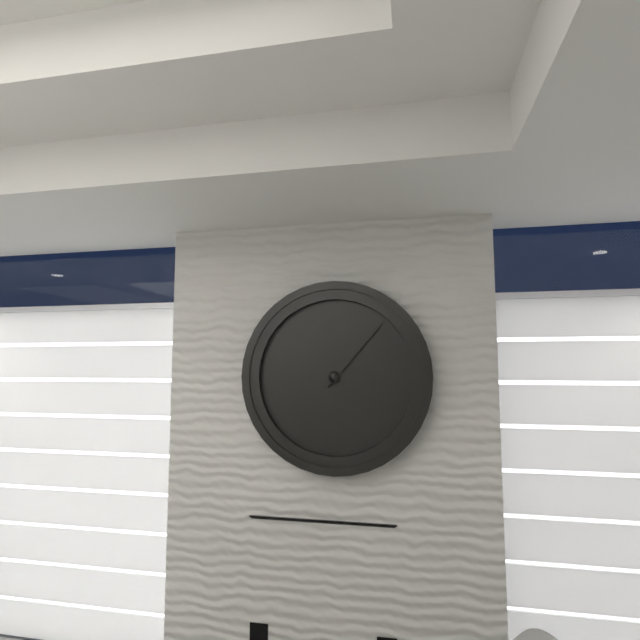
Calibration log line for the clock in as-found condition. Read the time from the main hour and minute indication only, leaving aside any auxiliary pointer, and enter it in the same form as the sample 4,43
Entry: 3,07
